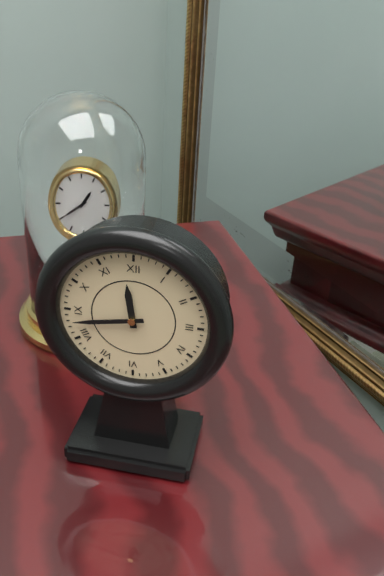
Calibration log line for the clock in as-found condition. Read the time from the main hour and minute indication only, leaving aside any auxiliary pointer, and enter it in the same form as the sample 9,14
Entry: 11,43
